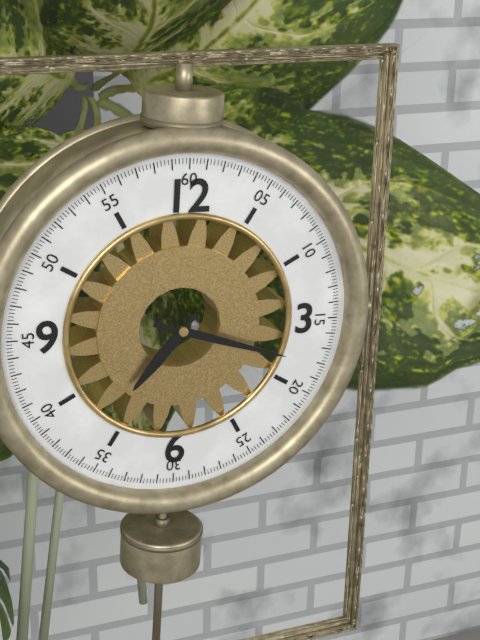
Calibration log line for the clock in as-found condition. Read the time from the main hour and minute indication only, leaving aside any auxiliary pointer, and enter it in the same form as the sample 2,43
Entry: 7,18
